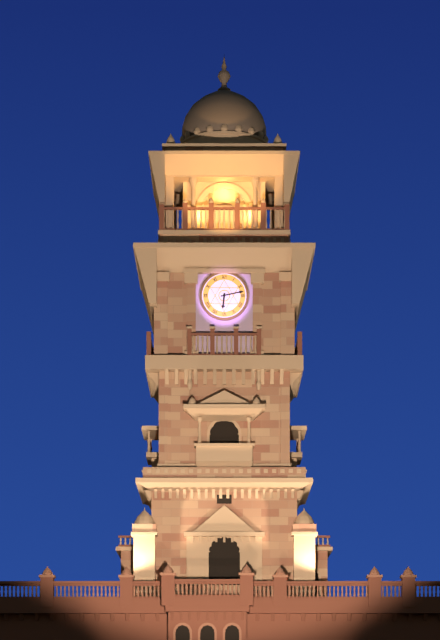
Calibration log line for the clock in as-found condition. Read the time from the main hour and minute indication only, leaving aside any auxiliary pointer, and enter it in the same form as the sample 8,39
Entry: 6,13
